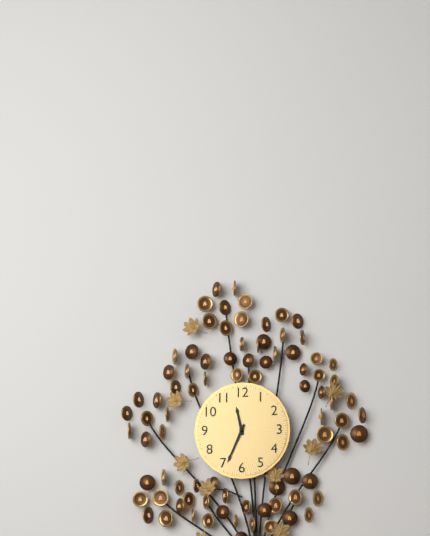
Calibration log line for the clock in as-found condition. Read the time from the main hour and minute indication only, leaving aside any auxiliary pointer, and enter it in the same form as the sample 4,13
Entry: 11,34
